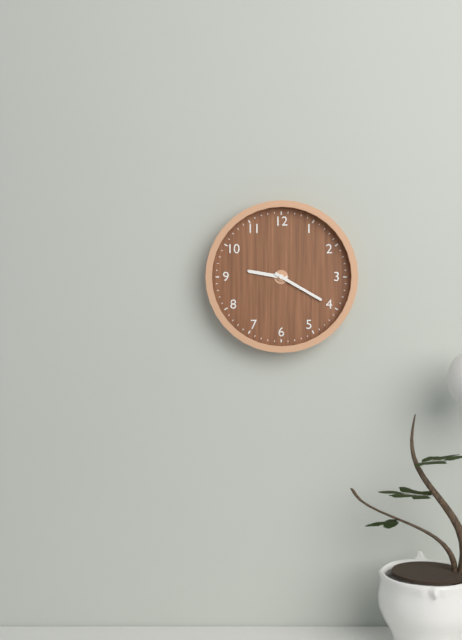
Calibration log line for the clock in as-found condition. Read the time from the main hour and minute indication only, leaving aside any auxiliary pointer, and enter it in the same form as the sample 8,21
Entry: 9,20
